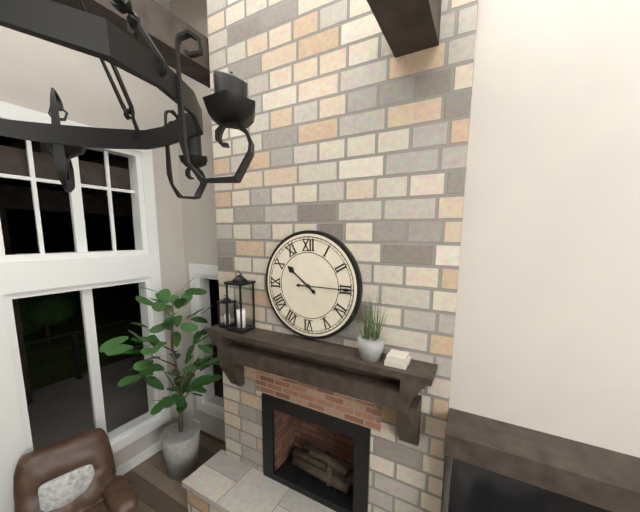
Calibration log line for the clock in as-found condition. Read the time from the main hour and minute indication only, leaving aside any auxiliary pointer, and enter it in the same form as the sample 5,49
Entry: 10,15
